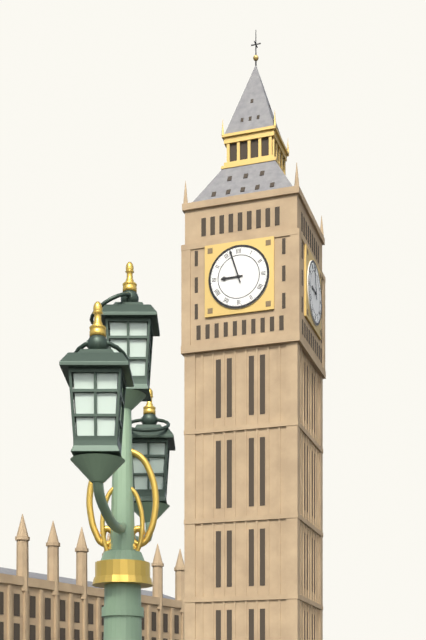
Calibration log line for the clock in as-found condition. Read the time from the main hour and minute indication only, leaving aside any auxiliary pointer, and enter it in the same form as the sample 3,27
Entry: 8,57
